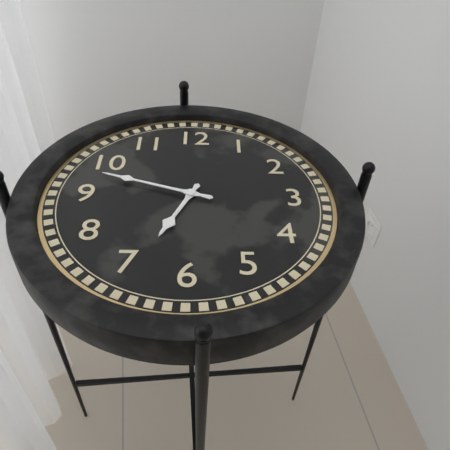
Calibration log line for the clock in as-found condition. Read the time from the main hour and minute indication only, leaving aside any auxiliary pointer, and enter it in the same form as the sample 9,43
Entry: 6,48
